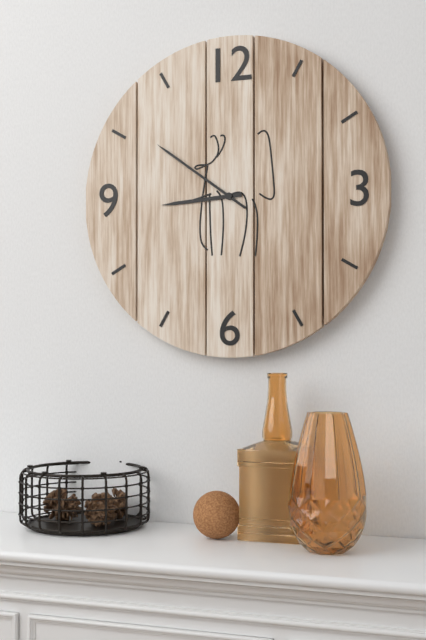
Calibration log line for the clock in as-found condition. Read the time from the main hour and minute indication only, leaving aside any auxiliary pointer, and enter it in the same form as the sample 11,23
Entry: 8,51
